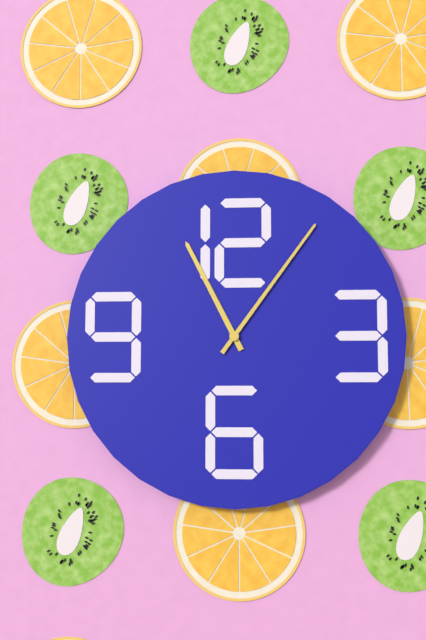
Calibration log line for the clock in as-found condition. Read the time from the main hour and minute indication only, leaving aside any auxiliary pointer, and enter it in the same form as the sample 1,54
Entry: 11,06
